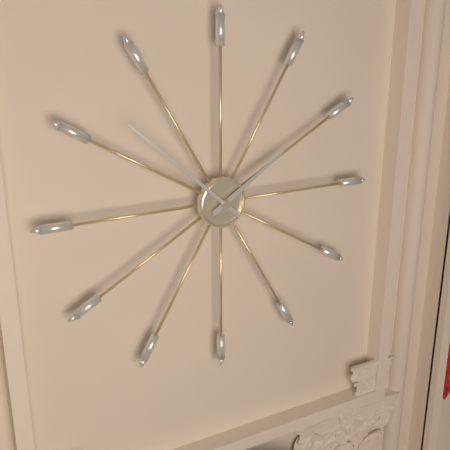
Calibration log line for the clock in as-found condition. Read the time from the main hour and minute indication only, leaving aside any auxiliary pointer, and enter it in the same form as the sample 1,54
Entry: 1,52
